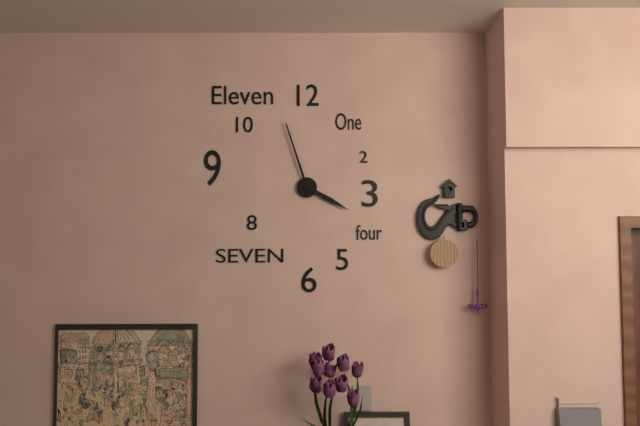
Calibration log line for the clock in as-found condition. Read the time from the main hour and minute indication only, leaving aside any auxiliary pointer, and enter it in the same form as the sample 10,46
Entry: 3,57
